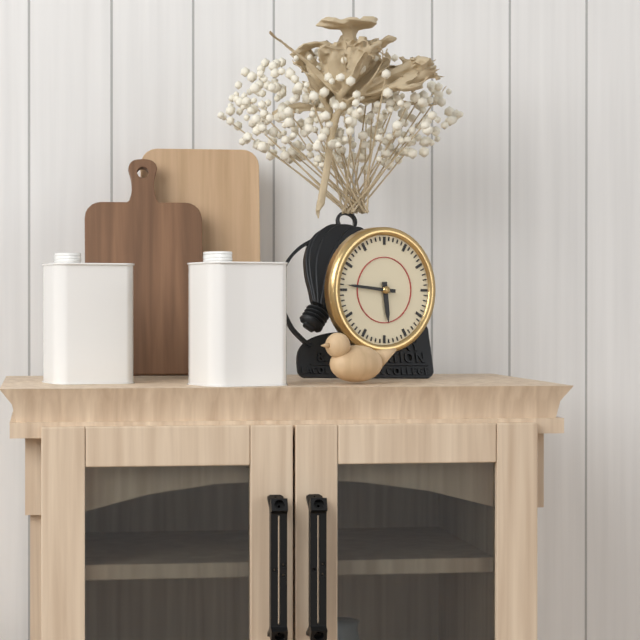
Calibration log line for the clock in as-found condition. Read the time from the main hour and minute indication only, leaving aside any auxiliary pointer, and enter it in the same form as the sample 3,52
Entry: 5,46
